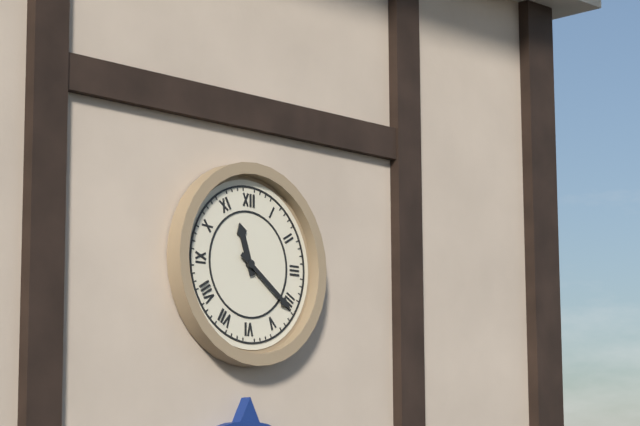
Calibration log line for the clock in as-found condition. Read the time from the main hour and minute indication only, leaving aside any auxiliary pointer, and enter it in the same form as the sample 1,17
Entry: 11,21
